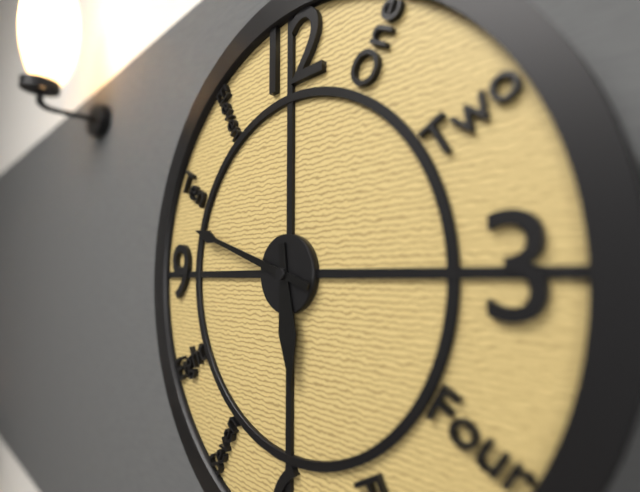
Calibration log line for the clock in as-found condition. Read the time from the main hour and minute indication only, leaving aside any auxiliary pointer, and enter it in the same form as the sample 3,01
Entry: 5,48
